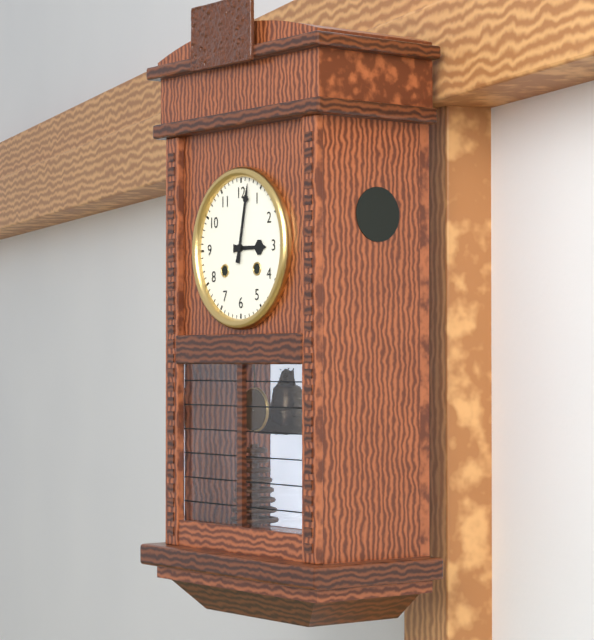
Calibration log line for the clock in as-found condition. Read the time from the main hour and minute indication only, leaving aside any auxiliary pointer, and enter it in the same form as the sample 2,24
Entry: 3,02
